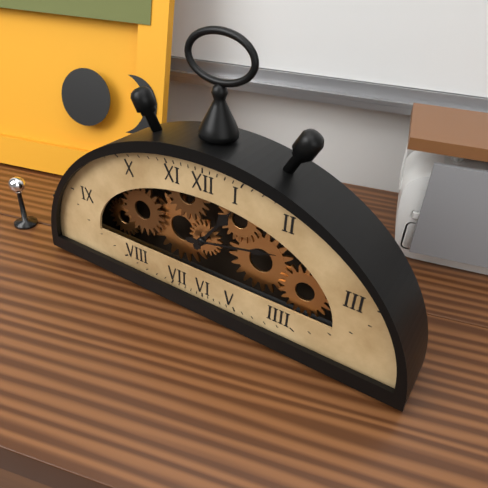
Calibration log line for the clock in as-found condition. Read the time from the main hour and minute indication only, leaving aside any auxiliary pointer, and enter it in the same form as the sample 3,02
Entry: 1,13
